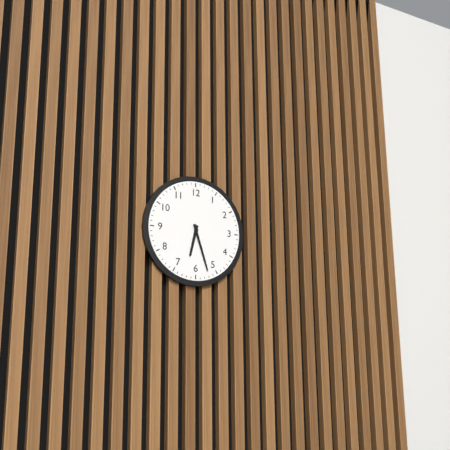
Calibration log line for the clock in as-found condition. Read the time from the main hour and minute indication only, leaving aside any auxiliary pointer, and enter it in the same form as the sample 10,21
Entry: 6,27
